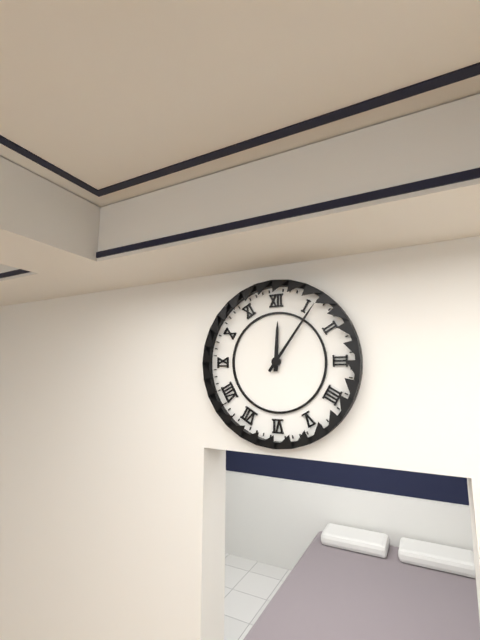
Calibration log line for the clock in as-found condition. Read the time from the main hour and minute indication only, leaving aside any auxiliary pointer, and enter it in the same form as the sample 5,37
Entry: 12,06
